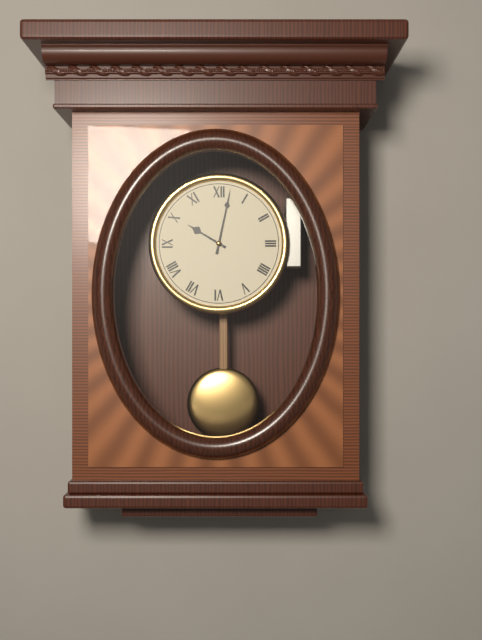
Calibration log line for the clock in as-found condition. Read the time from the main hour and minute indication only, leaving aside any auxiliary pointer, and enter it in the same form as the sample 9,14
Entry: 10,02
